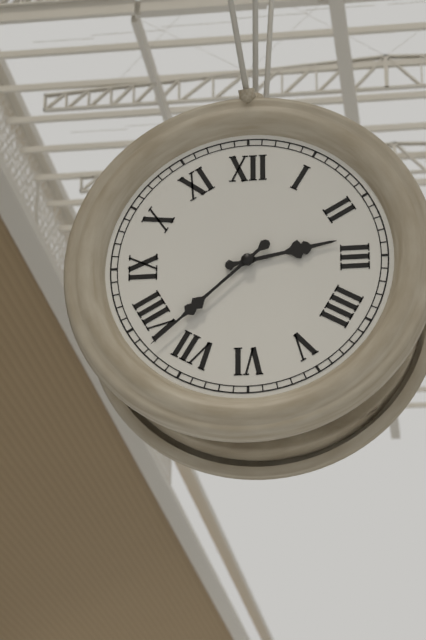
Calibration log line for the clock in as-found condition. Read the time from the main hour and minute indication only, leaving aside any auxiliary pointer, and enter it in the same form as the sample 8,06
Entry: 2,38
